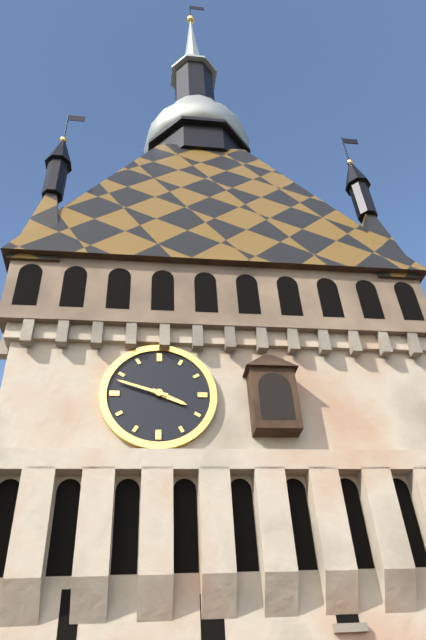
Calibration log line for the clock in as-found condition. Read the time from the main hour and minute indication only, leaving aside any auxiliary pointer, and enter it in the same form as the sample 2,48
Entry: 3,48
